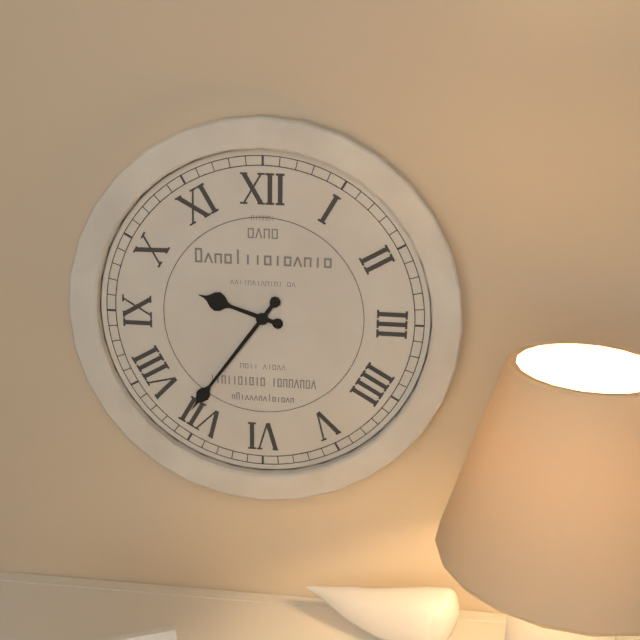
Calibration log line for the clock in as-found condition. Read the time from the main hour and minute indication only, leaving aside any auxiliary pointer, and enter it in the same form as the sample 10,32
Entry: 9,36
